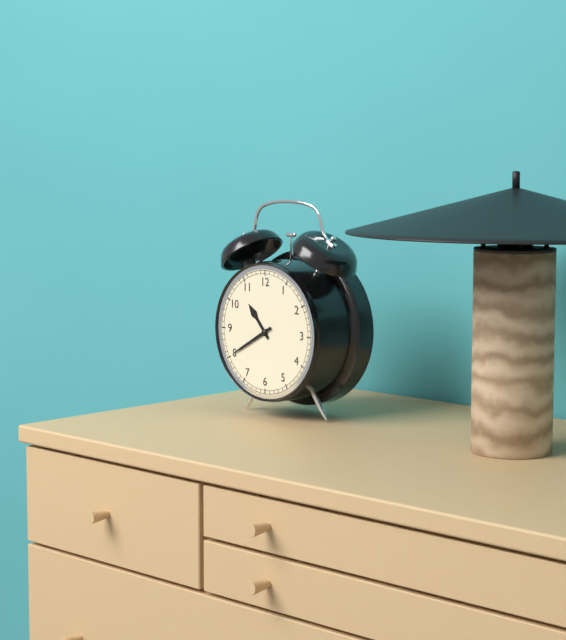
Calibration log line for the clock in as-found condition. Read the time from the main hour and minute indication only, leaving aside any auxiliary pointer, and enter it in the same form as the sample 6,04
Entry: 10,40
